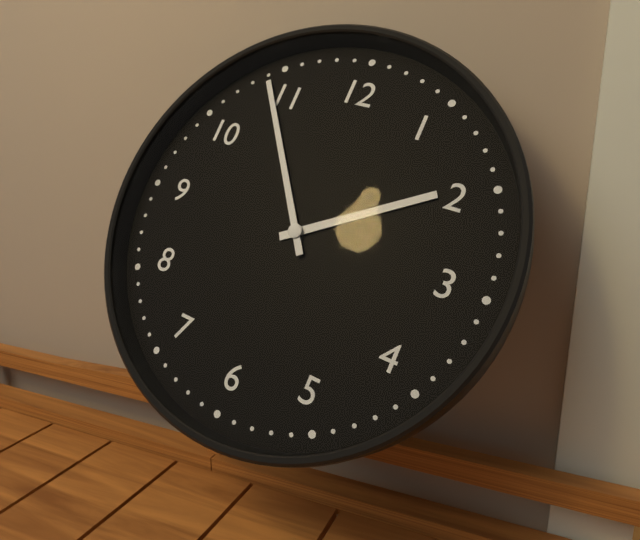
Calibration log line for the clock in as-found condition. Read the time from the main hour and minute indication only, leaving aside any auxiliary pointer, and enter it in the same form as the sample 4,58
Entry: 1,54
